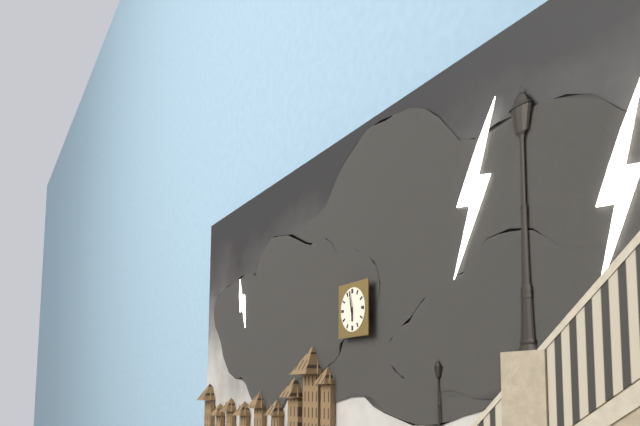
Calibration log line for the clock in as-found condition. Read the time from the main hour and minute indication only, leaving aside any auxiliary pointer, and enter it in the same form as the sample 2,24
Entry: 5,58
